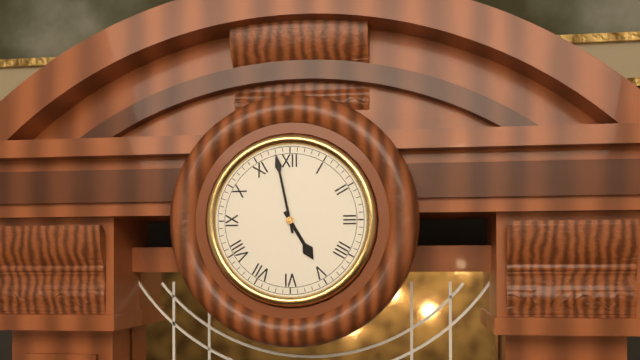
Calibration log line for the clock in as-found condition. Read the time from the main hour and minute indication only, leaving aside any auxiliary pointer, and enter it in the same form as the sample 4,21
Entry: 4,58
